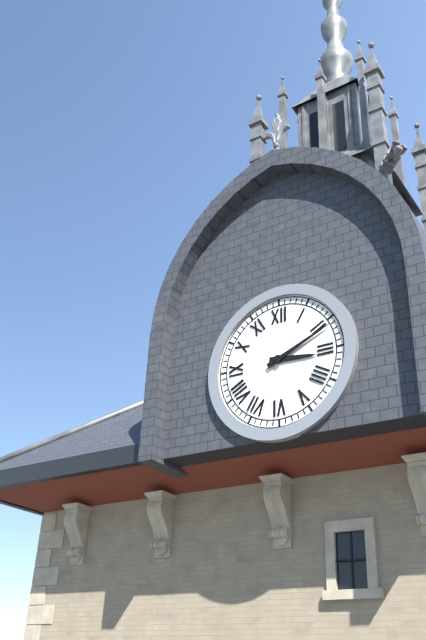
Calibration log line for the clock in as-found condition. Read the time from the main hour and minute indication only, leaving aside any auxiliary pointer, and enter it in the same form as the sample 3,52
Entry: 3,11
